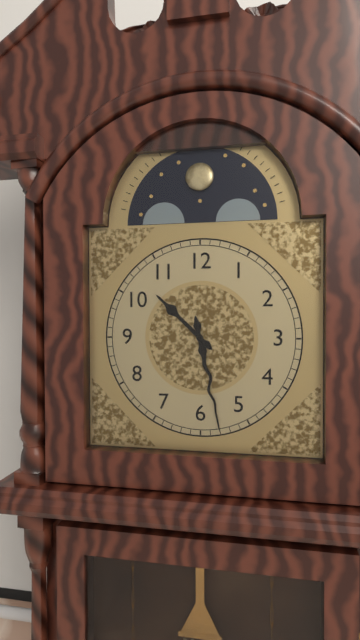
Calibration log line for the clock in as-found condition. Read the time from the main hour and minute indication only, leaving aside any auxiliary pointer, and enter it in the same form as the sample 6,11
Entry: 10,28
